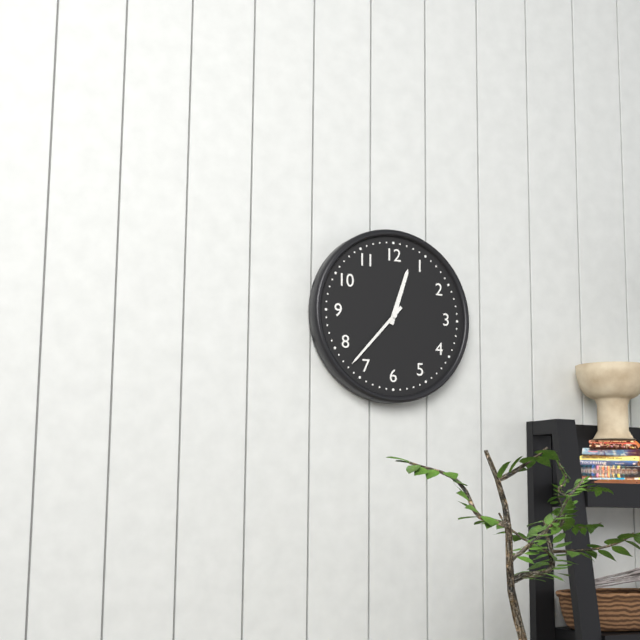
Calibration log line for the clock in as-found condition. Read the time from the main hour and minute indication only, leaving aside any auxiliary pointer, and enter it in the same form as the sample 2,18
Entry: 12,37
